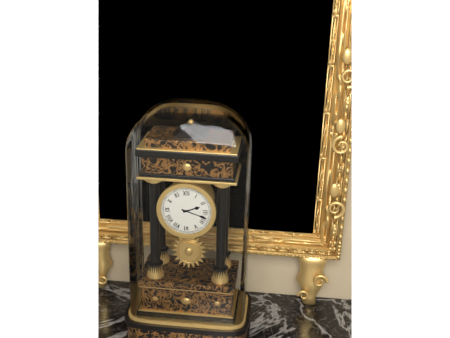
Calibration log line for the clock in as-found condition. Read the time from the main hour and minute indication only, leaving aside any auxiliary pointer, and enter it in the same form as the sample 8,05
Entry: 2,18
